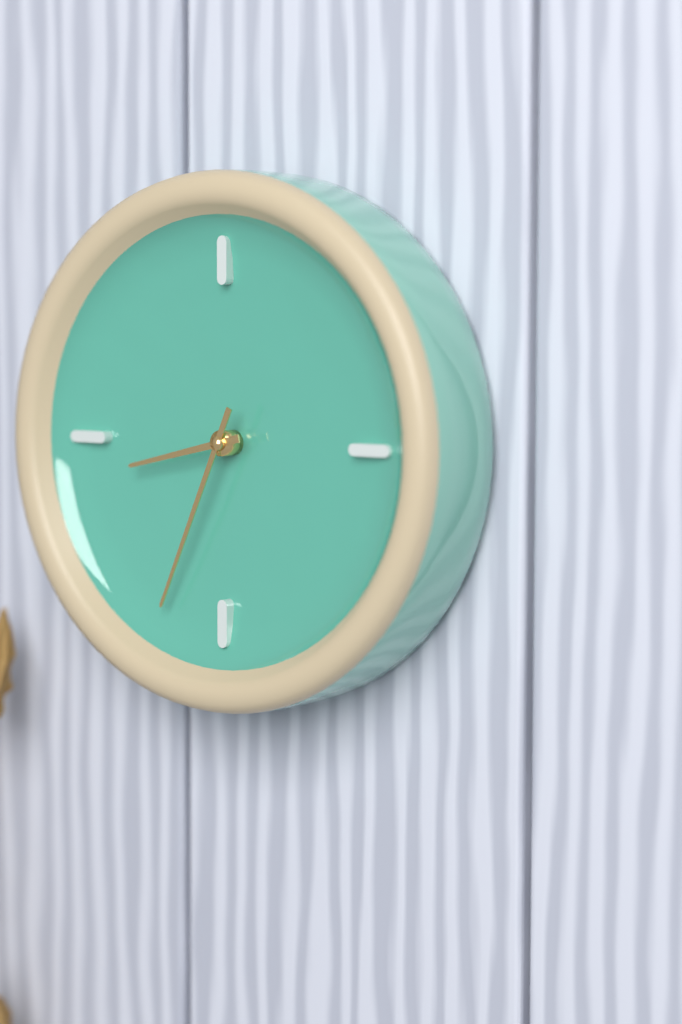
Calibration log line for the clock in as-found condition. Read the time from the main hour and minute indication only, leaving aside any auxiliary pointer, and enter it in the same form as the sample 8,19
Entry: 8,34
